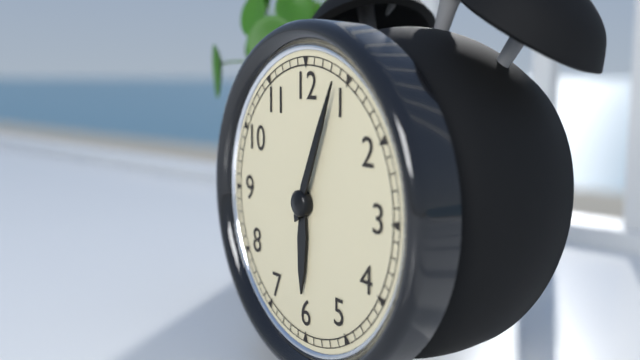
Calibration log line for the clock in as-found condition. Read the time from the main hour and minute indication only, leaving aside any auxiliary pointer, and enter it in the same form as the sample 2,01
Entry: 6,04
